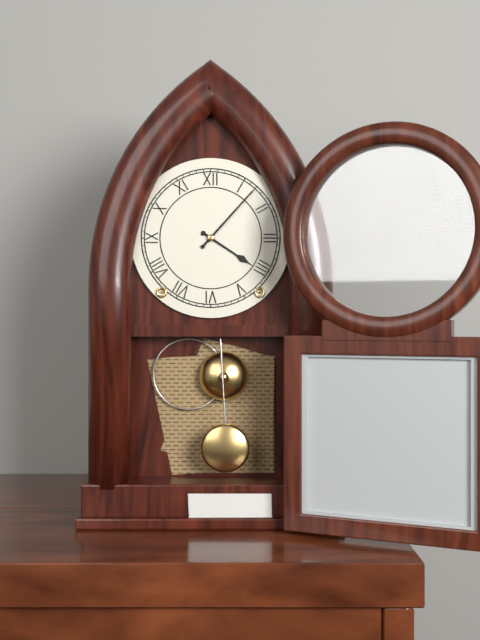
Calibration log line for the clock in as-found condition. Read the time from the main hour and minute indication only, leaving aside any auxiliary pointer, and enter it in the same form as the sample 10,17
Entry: 4,07
